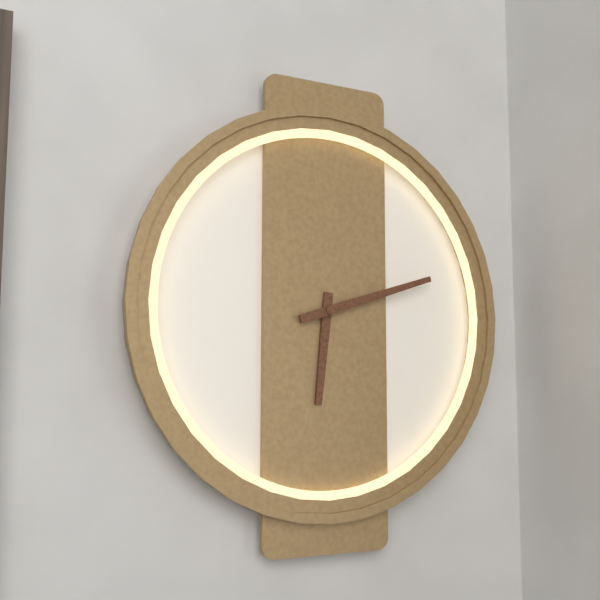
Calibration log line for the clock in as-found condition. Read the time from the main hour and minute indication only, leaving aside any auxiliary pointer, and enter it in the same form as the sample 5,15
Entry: 6,12
